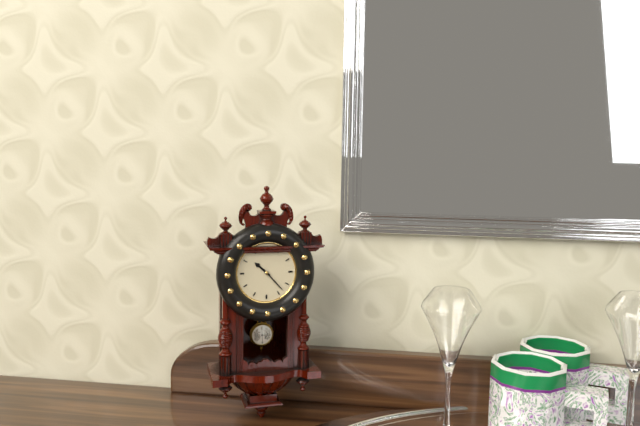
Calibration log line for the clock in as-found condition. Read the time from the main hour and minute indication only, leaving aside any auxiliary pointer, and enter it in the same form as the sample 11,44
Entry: 10,23
